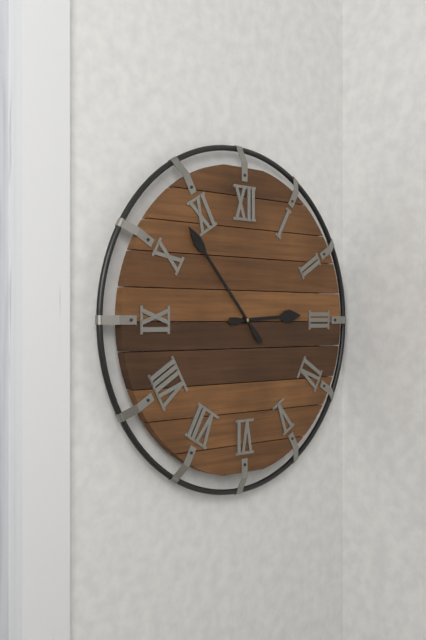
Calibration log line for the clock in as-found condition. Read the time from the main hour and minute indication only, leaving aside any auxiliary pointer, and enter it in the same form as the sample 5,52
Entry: 2,53
